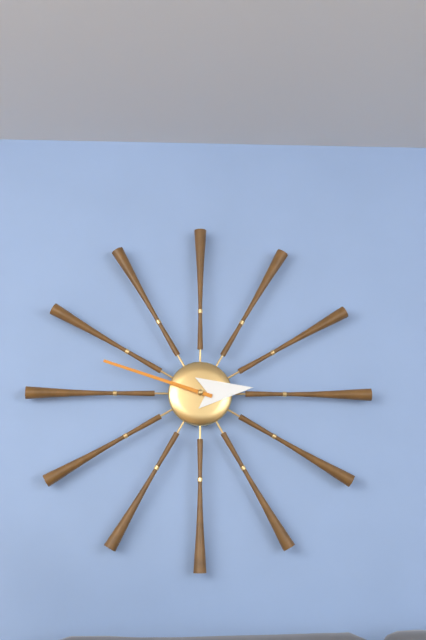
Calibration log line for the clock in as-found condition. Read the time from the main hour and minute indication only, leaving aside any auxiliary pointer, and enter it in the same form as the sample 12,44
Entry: 2,48
